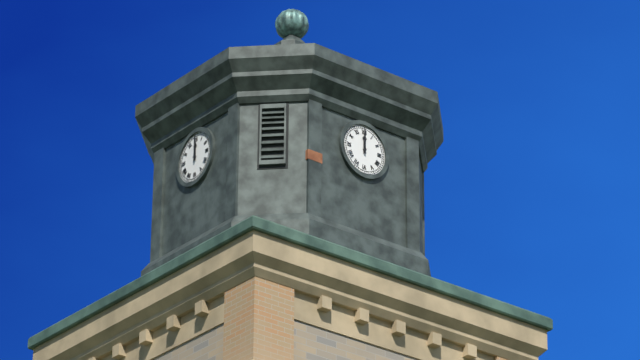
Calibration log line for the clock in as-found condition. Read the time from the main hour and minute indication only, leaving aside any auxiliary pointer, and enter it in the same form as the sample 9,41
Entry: 12,00
